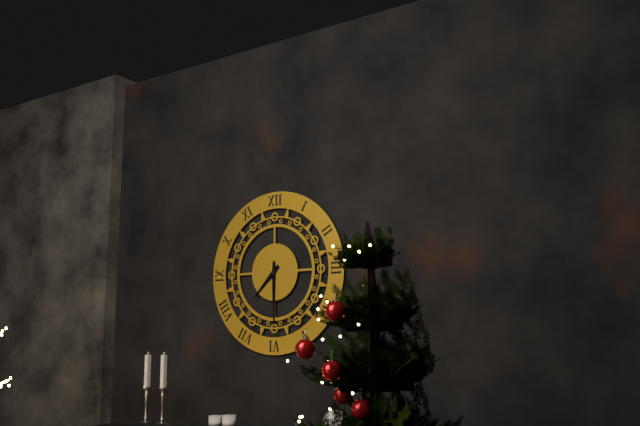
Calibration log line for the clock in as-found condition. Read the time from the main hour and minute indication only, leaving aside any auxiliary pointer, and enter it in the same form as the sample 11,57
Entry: 7,30
